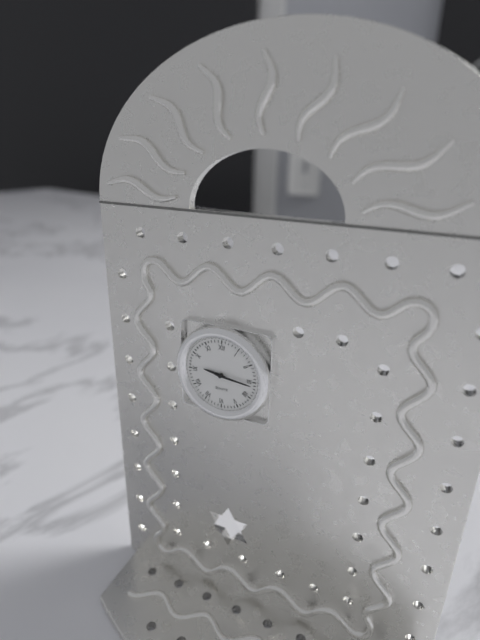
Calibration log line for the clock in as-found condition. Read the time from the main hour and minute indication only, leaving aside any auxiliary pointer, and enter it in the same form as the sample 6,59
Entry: 9,16
